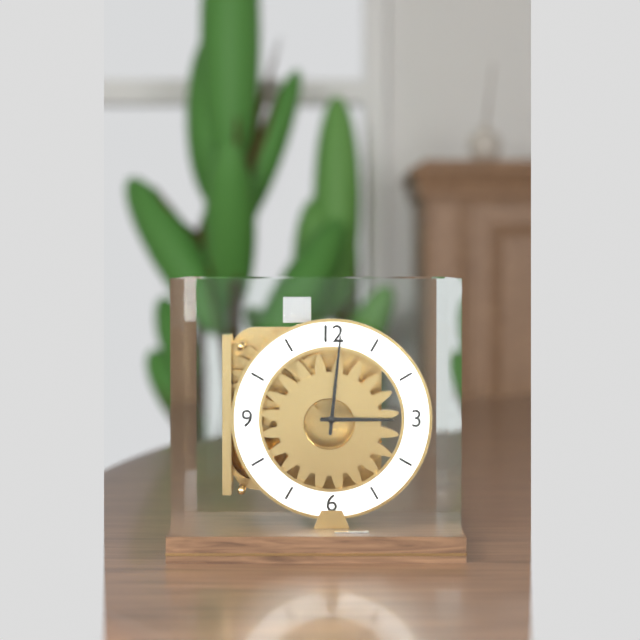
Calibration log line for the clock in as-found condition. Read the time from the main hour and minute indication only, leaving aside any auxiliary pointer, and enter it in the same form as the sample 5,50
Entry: 3,01
